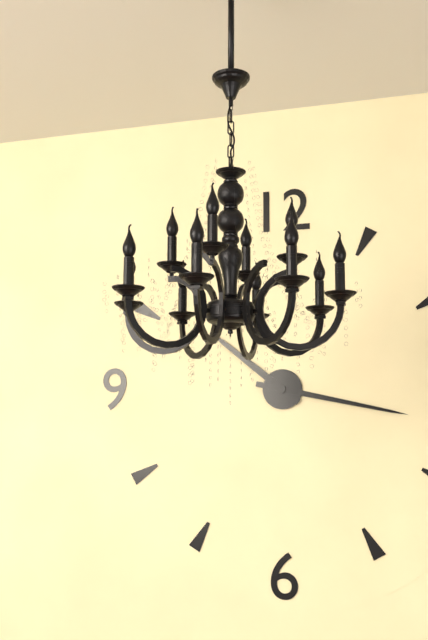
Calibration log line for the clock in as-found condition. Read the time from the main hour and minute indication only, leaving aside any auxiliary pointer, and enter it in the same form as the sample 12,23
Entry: 10,17
